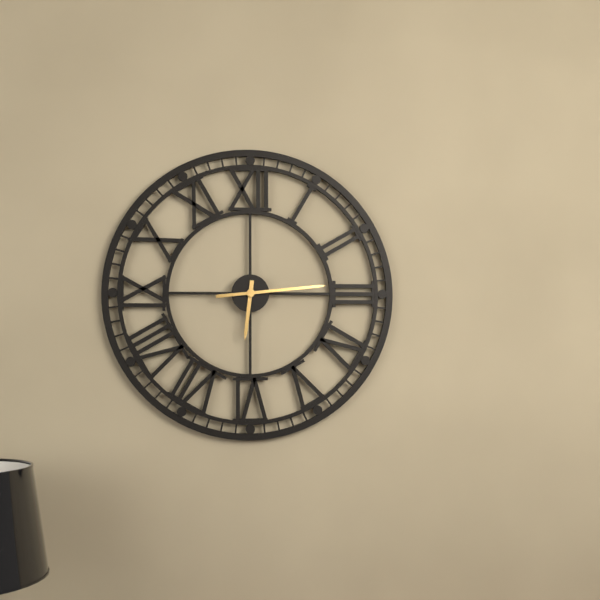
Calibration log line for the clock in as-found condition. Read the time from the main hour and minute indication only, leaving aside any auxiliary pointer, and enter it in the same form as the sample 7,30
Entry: 6,14
